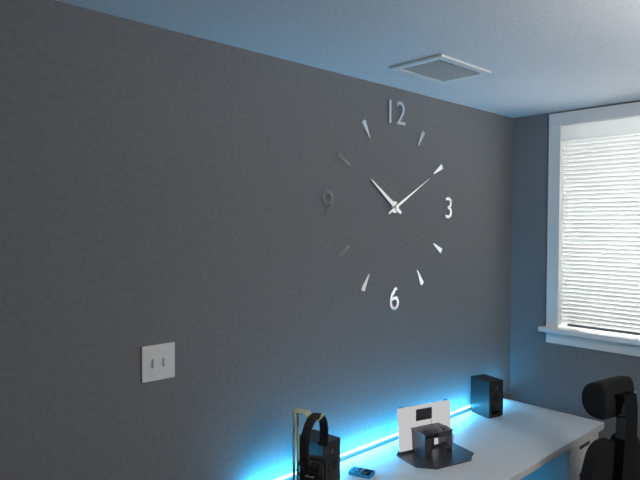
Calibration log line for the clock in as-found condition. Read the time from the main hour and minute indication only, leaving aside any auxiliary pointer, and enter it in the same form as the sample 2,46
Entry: 10,10
